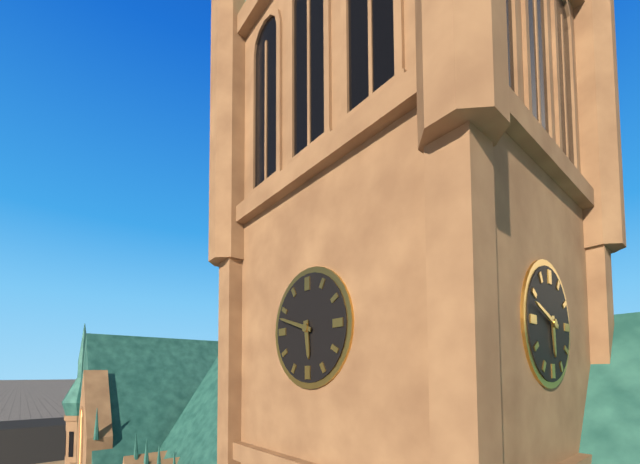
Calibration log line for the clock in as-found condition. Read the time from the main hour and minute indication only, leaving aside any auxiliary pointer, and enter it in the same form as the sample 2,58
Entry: 5,48
